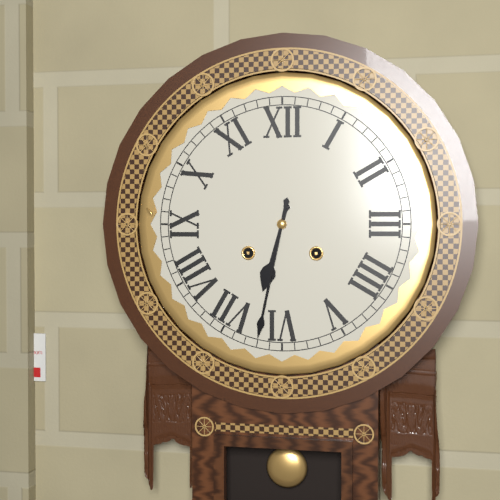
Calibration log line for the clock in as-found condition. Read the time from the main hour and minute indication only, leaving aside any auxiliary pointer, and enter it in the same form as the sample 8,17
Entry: 6,32
